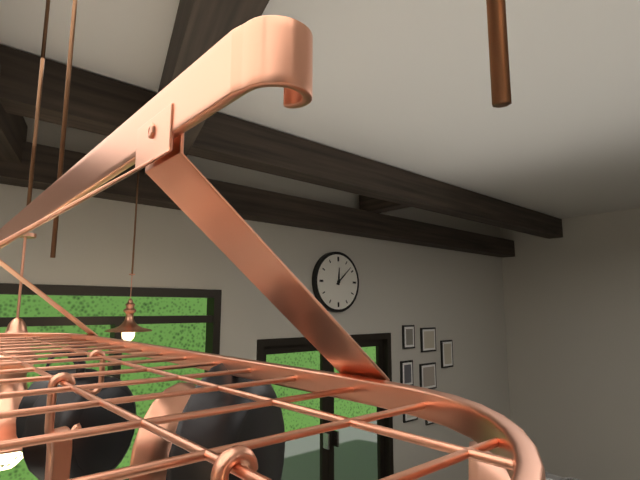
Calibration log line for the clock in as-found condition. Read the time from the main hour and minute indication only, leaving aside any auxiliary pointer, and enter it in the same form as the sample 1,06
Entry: 12,08
